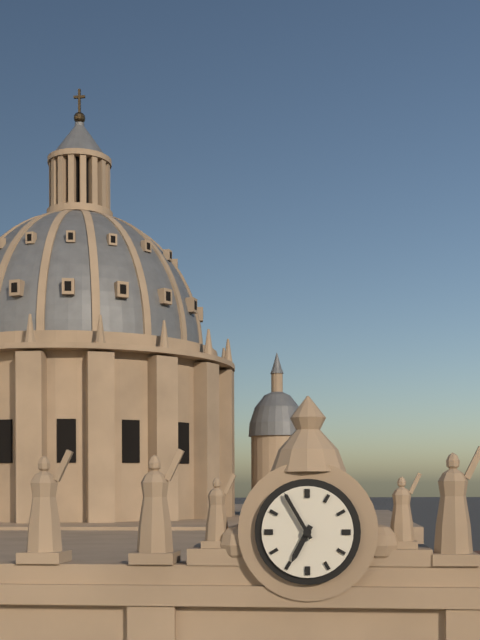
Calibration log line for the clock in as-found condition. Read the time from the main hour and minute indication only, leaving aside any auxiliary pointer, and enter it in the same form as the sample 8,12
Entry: 6,55
